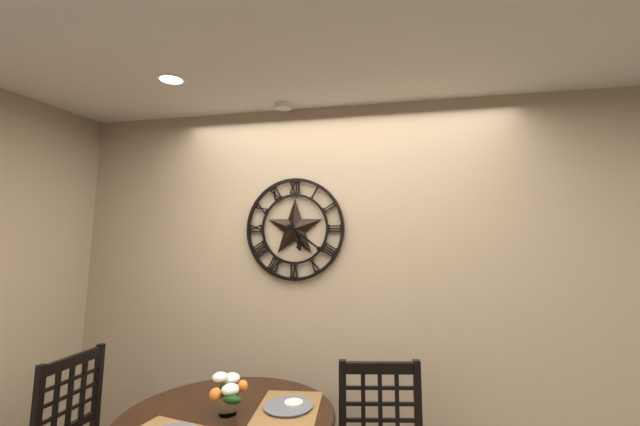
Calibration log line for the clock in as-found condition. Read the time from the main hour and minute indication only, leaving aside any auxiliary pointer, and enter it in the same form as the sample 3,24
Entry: 5,21
